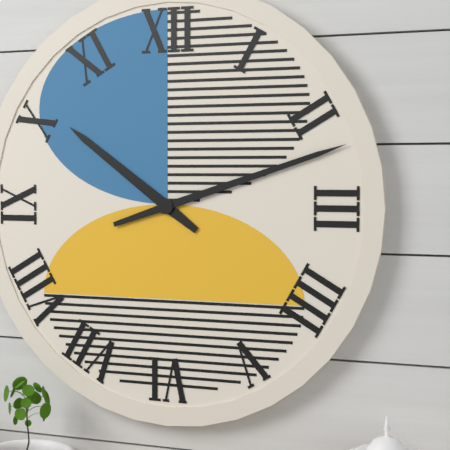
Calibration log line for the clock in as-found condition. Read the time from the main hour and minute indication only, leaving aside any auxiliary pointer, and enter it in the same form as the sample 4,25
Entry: 10,12
